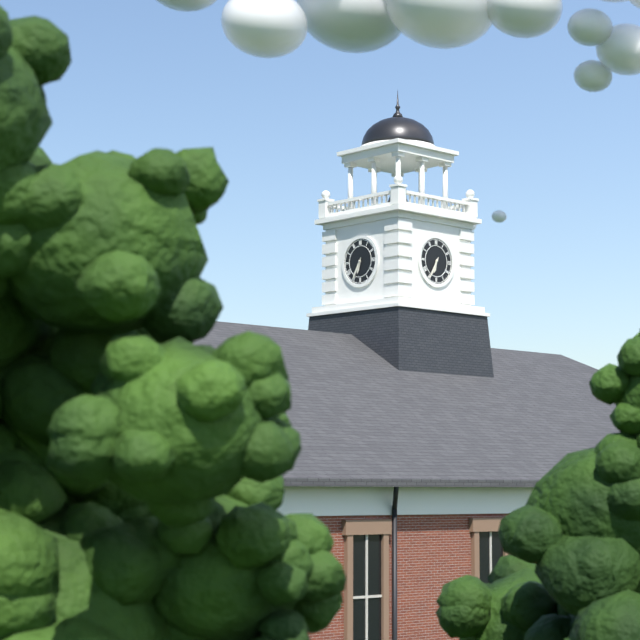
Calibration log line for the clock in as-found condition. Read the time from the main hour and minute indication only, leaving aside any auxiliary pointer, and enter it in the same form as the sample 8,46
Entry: 6,35
